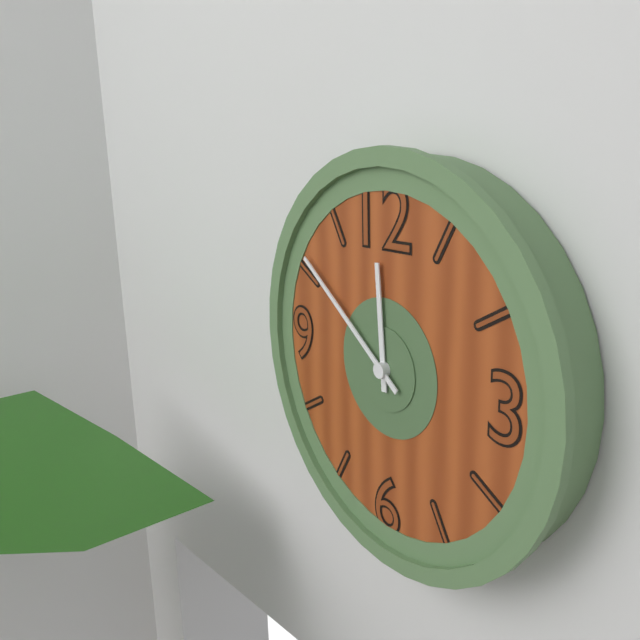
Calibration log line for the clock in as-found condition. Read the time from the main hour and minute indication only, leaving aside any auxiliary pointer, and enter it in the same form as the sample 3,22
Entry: 11,51
